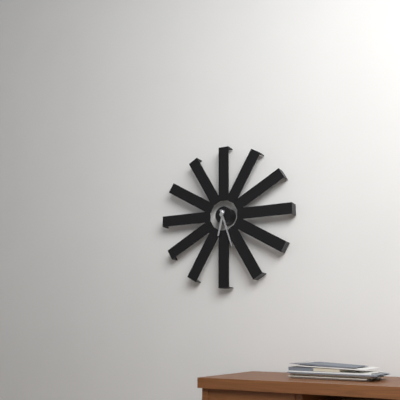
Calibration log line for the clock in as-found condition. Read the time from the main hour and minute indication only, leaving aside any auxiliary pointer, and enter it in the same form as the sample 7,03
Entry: 6,27
